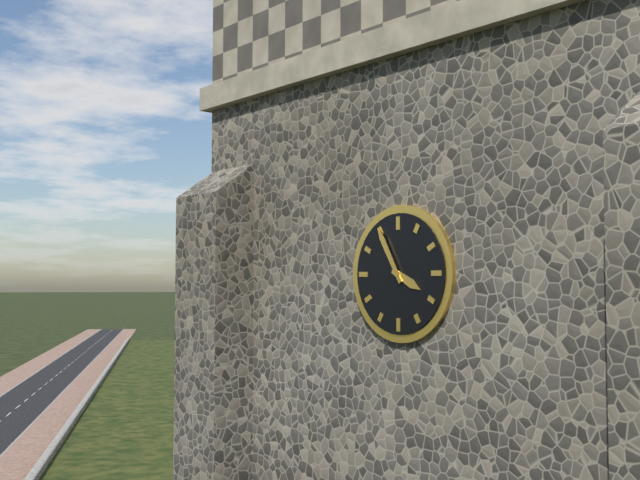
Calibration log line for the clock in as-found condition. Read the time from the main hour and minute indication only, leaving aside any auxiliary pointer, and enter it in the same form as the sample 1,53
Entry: 3,55
